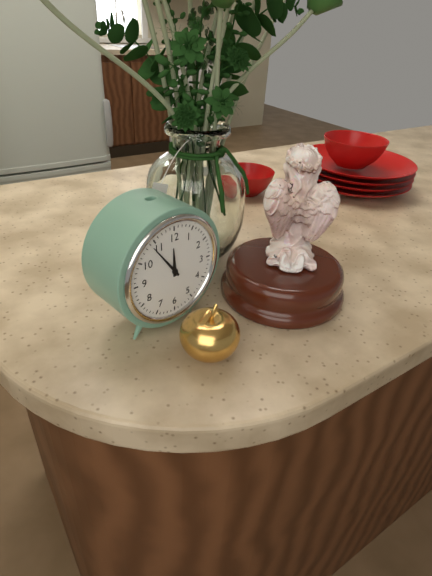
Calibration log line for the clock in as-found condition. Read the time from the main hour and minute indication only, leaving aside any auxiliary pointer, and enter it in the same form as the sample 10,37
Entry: 11,54
